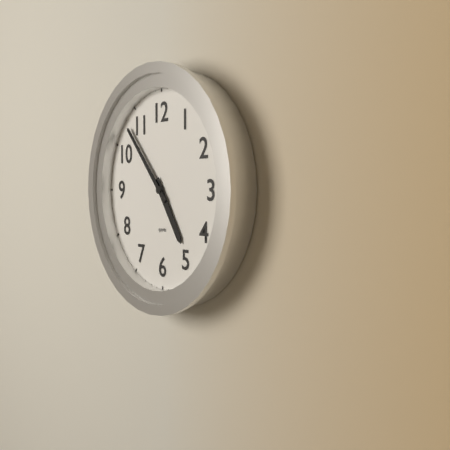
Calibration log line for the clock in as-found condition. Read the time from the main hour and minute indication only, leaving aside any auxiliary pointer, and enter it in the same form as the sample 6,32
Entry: 4,53
